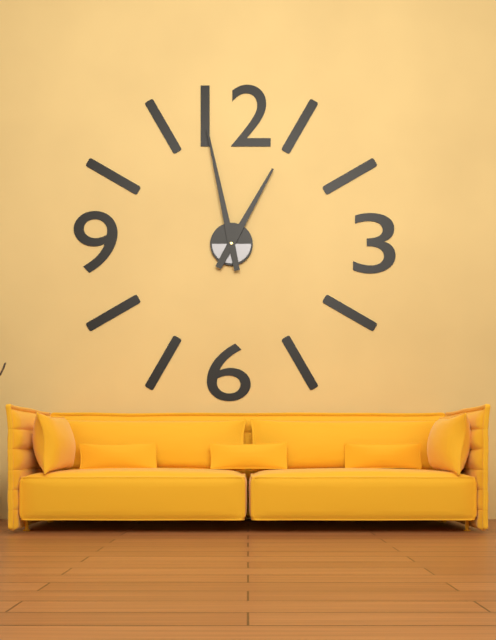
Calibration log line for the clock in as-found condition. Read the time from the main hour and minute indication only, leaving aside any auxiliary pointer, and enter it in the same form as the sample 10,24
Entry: 12,58
